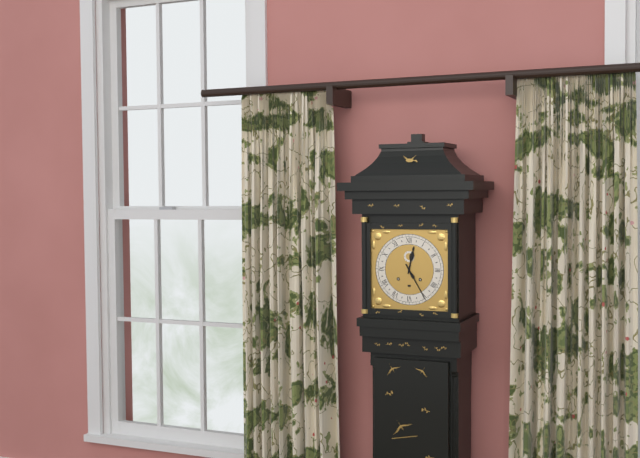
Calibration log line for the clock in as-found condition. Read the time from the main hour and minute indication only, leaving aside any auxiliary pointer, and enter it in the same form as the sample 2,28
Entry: 12,25
